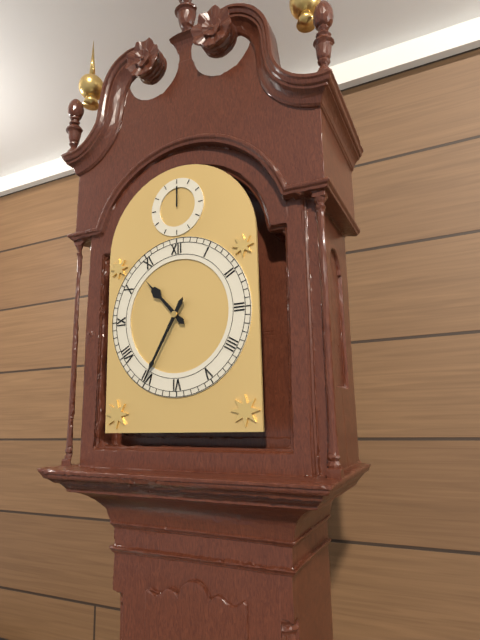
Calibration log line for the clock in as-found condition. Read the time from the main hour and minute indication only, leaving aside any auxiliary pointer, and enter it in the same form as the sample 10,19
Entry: 10,35
